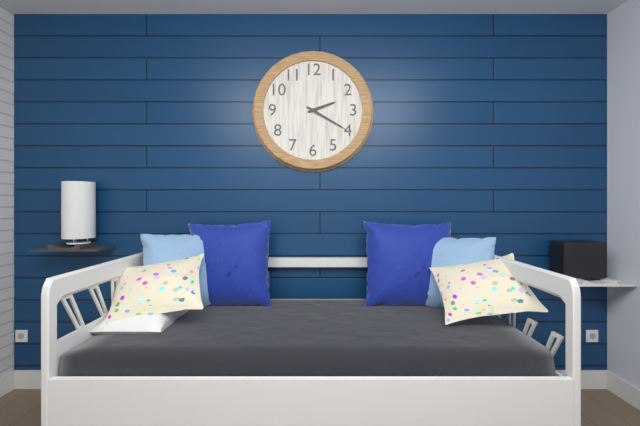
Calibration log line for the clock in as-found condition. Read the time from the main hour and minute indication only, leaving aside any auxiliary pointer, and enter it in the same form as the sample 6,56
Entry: 2,20
